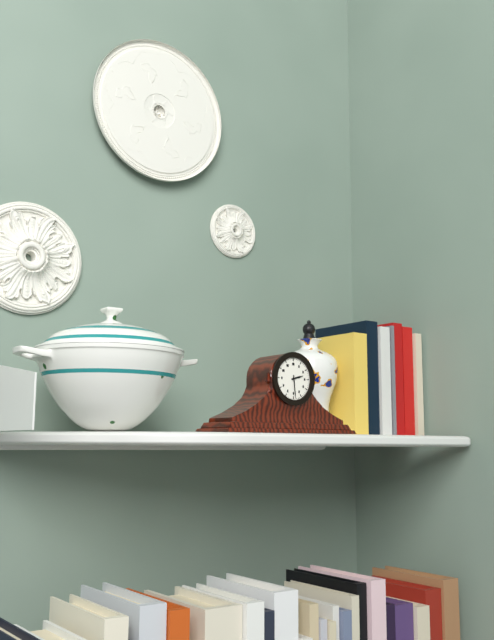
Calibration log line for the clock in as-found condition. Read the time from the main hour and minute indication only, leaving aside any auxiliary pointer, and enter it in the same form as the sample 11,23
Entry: 2,29
